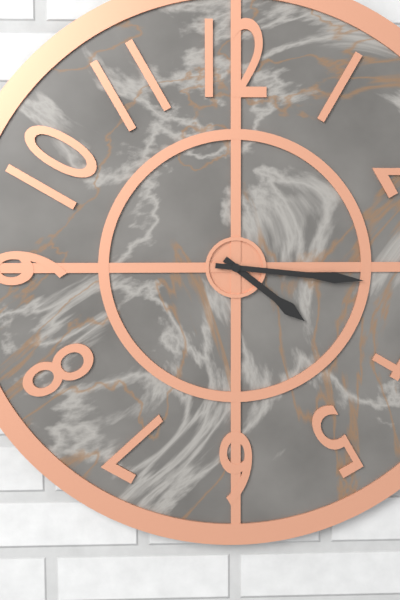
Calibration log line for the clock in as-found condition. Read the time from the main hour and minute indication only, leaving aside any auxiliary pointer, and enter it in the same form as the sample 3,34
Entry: 4,16
